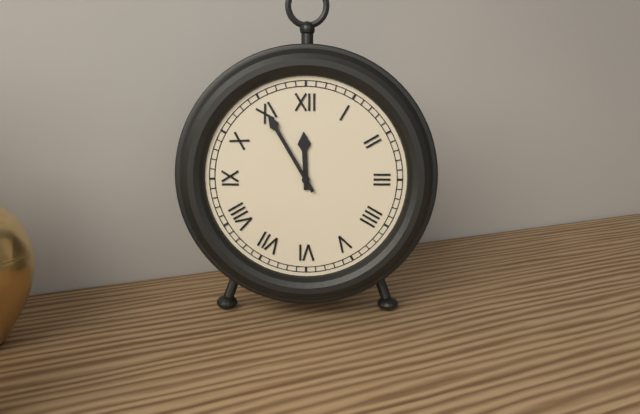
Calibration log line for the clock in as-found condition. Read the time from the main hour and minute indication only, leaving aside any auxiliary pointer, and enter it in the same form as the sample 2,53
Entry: 11,55
